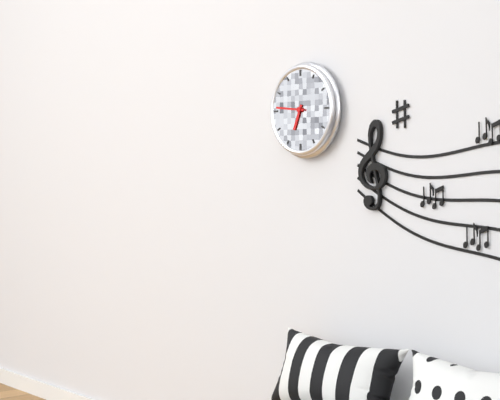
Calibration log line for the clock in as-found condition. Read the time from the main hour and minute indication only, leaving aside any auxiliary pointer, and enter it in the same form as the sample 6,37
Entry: 6,46
